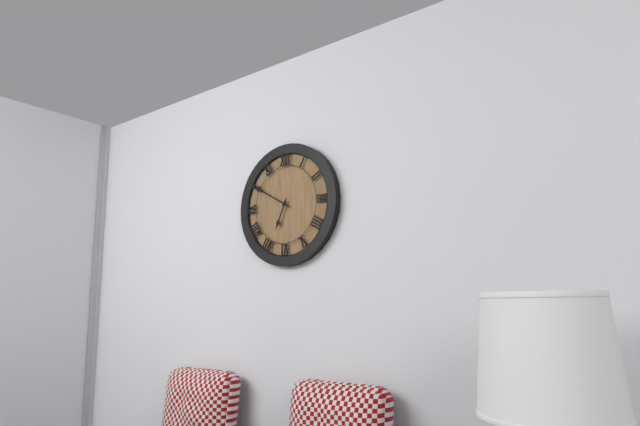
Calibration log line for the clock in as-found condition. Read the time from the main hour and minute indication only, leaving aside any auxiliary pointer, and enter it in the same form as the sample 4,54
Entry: 6,50
